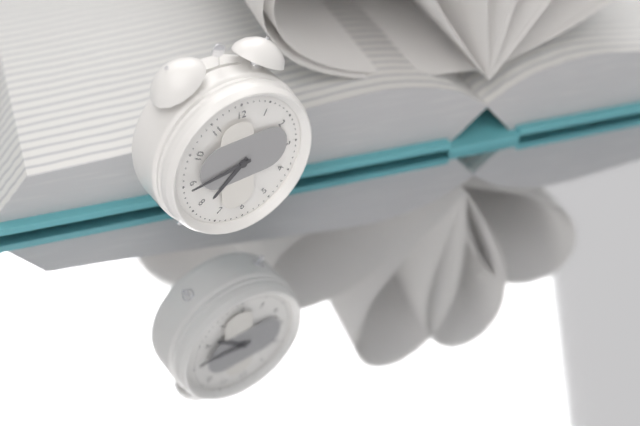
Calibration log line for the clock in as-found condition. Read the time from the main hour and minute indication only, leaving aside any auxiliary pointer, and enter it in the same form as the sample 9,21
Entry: 7,44
